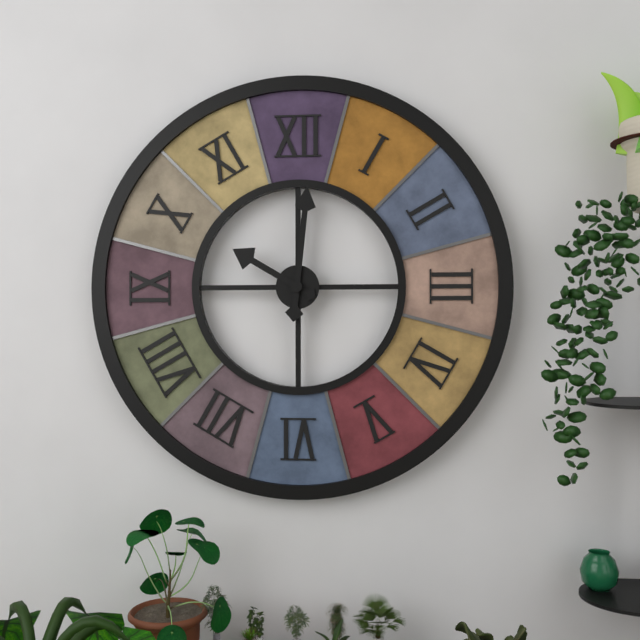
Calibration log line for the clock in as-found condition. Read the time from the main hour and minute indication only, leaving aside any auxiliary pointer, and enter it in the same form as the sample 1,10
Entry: 10,01
